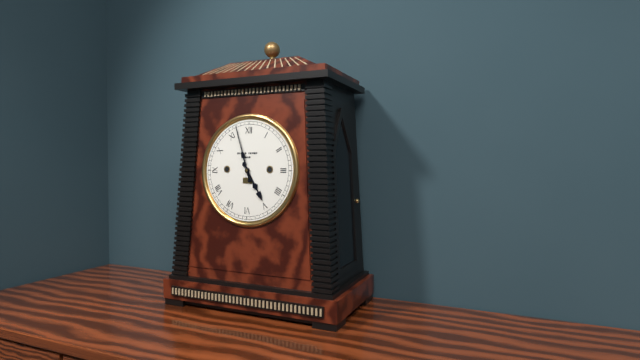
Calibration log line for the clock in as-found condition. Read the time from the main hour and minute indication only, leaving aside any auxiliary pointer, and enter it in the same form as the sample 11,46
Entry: 4,57
